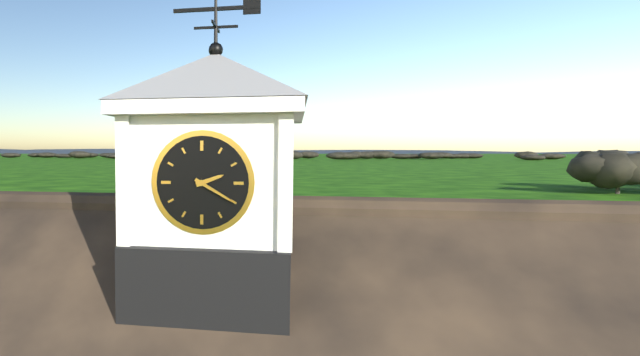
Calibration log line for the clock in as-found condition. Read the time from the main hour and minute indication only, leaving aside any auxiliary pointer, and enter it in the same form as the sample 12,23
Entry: 2,20
